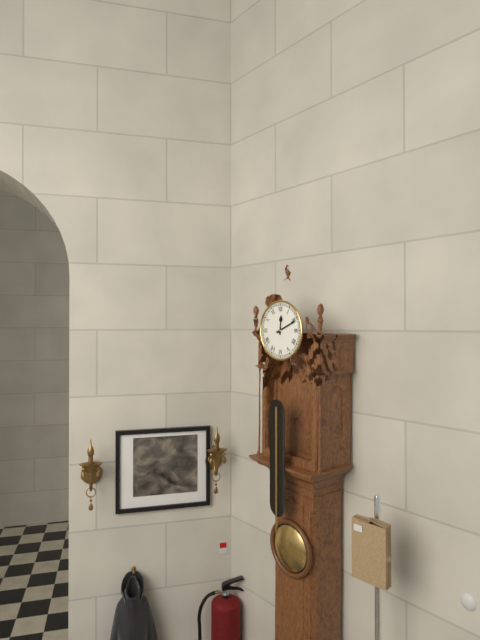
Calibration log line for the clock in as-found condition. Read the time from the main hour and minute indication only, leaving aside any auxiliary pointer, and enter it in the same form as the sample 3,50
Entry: 12,11
